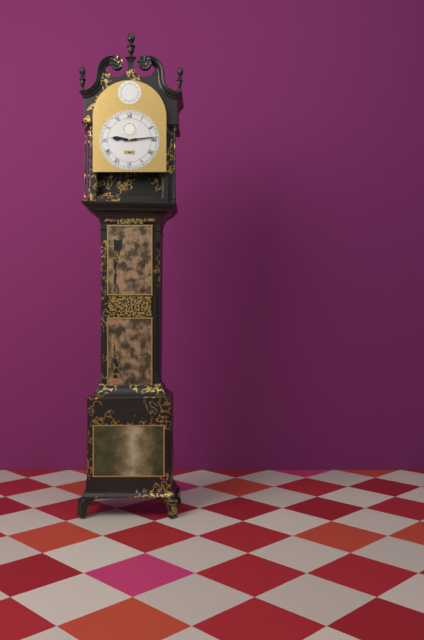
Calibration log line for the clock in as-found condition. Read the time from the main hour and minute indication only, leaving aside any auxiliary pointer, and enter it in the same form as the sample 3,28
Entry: 9,14
